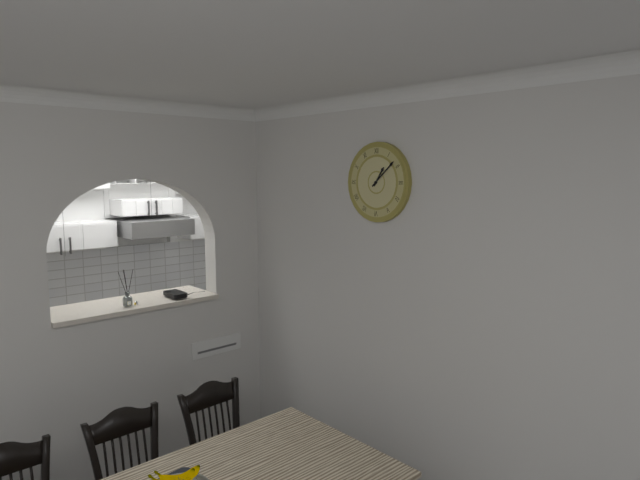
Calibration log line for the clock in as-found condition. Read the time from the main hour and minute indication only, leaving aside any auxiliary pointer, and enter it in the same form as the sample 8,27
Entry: 1,08
